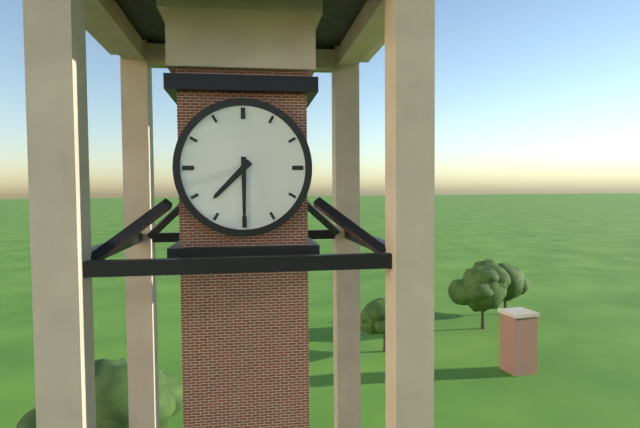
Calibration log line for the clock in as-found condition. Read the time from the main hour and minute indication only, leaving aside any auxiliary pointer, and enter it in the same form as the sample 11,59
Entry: 7,30
